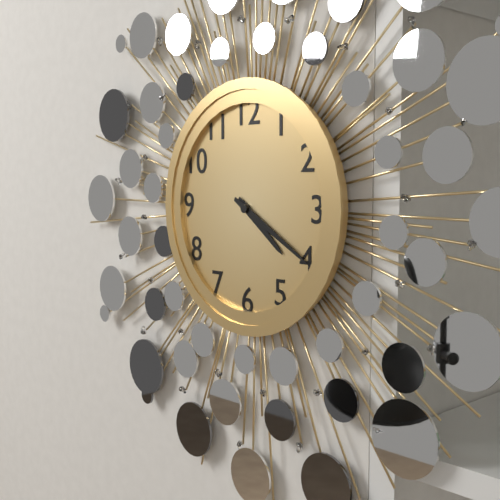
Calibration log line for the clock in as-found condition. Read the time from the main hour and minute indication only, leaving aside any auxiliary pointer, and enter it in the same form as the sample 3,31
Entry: 4,20
